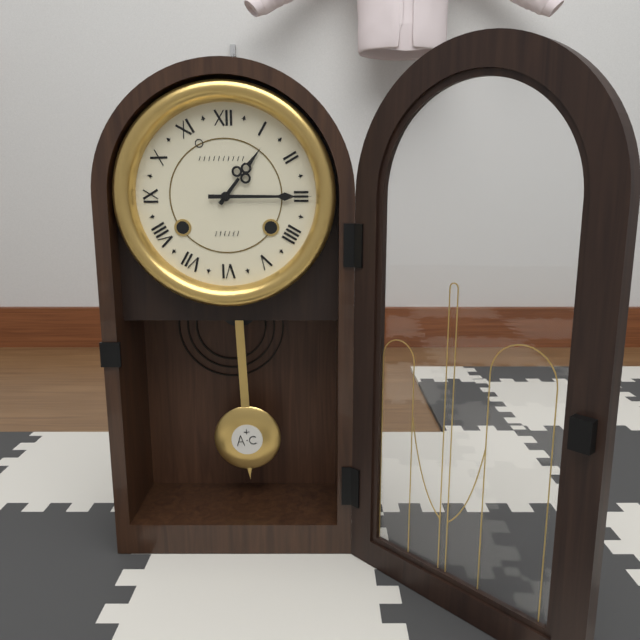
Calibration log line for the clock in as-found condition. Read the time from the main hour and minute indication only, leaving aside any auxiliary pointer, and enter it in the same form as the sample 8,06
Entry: 1,15
